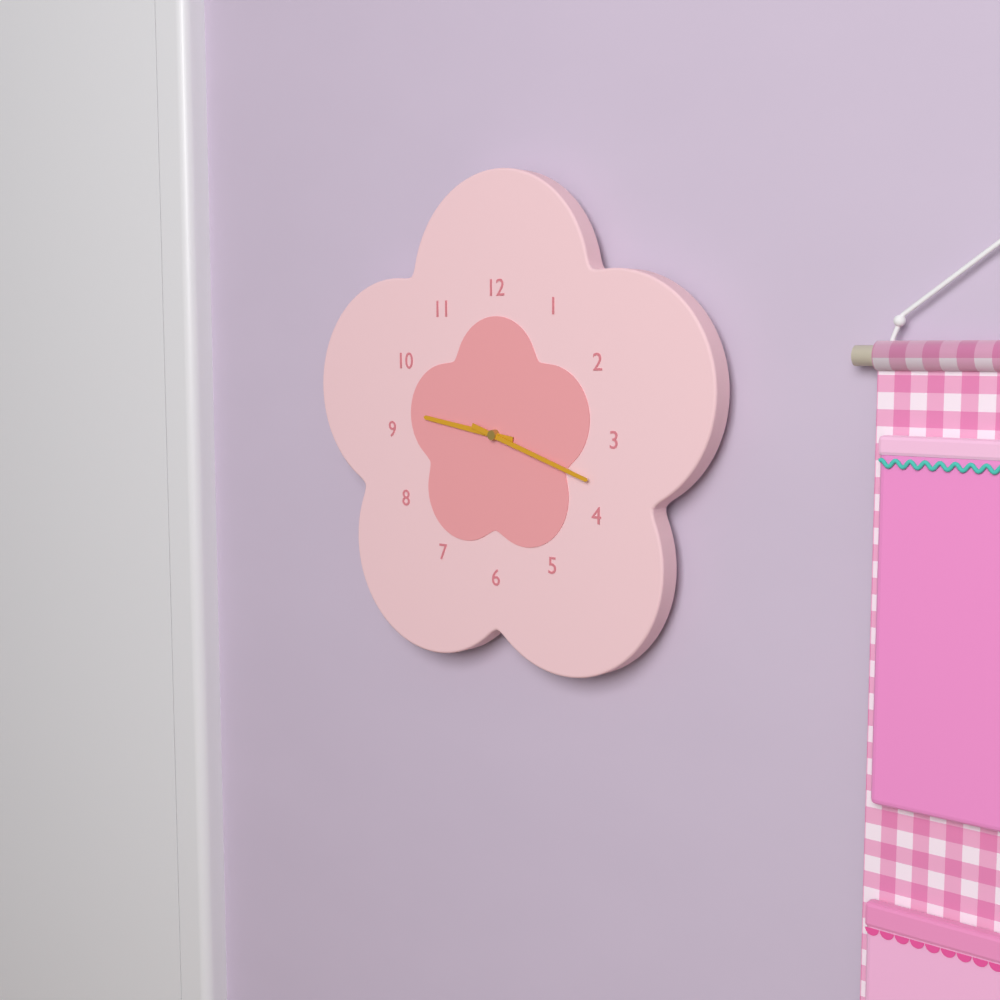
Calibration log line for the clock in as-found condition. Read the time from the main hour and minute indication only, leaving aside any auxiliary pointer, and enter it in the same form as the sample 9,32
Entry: 9,18
